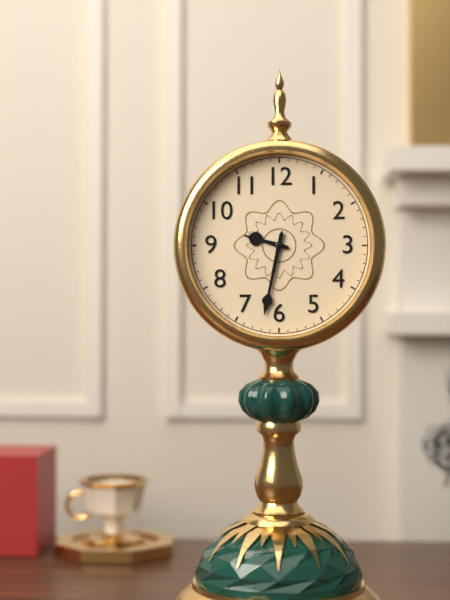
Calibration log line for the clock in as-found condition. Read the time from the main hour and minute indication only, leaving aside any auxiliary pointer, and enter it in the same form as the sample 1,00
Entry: 9,32
